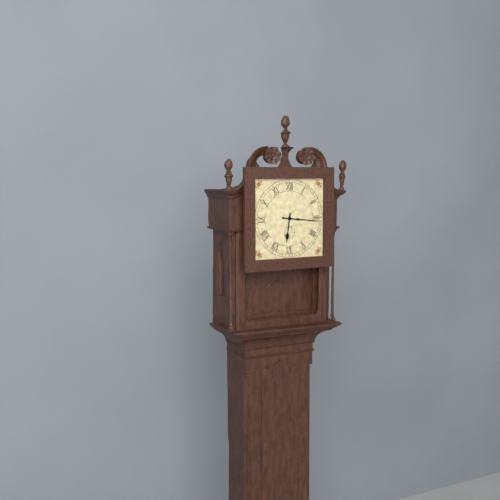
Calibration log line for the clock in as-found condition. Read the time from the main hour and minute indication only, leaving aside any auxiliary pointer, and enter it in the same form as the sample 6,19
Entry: 6,16
